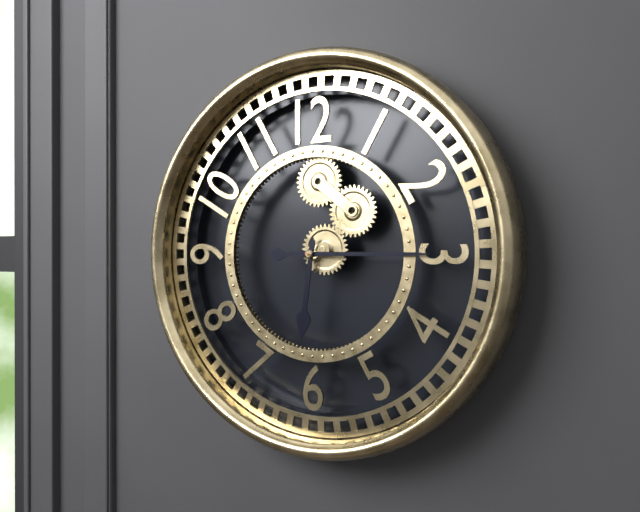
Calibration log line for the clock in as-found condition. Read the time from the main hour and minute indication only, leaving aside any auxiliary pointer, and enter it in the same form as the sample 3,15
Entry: 6,15
